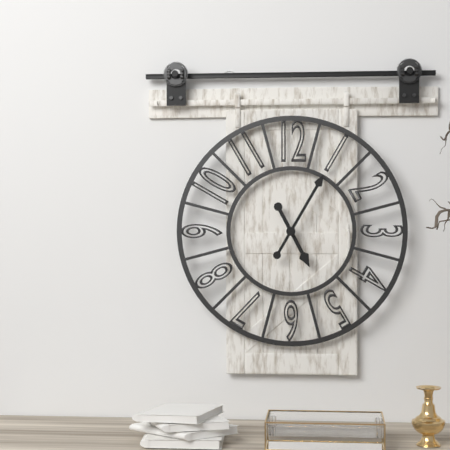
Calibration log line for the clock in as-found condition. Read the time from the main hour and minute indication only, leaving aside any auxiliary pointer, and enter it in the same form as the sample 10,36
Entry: 5,05
